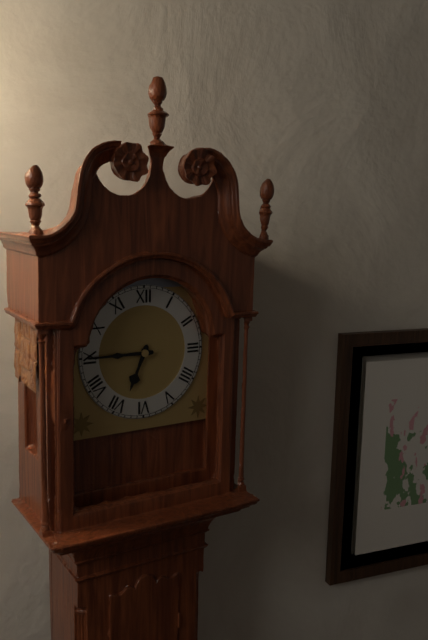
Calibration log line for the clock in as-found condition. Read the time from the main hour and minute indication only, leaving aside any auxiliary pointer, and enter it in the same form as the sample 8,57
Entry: 6,45
